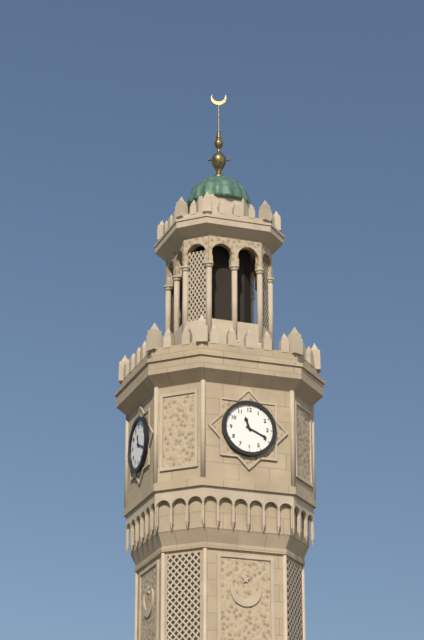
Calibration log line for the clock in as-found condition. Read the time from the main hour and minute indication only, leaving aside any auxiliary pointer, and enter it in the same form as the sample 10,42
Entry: 11,19
